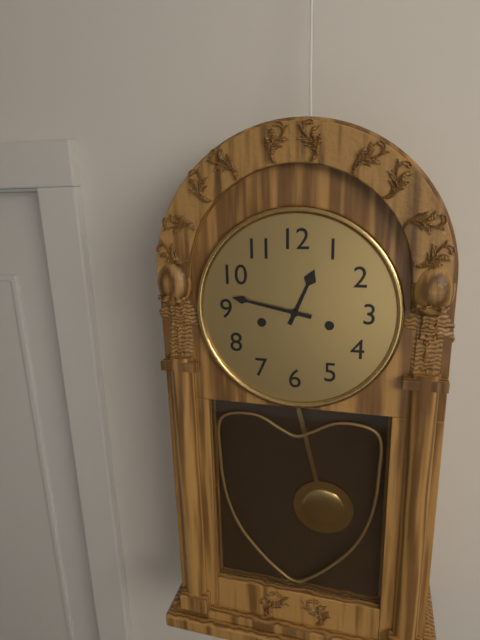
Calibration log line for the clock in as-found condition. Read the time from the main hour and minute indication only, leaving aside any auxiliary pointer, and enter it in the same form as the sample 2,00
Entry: 12,47
